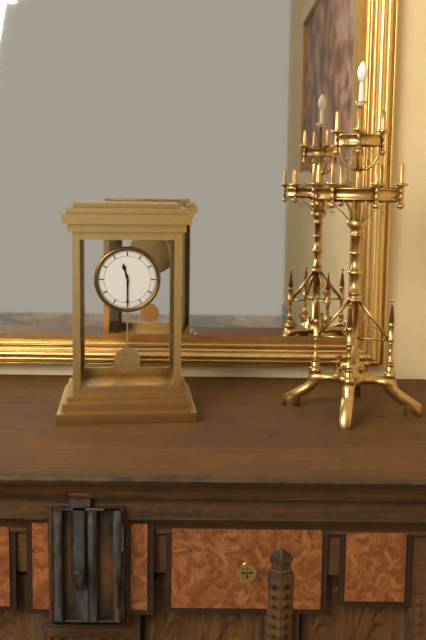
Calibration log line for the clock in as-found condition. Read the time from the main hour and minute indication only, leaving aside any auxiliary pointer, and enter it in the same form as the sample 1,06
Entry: 11,30
